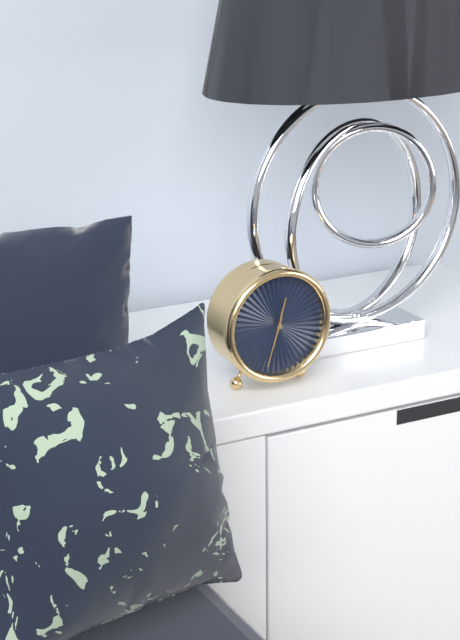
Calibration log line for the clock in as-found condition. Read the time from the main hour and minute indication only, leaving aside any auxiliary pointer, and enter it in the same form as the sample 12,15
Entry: 12,33
